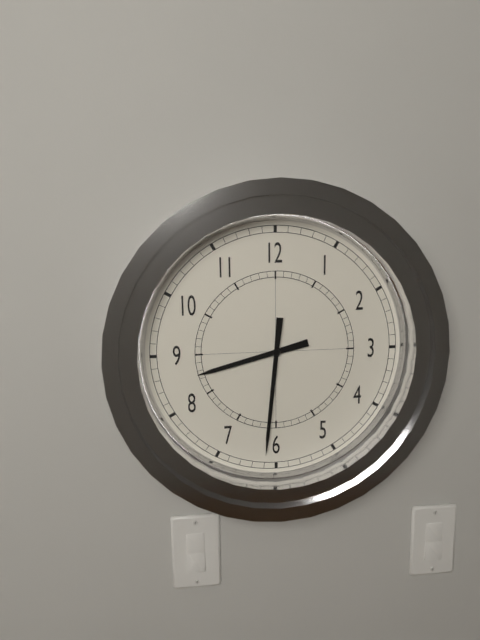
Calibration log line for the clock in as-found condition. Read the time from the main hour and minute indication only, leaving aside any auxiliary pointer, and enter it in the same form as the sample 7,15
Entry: 8,31
